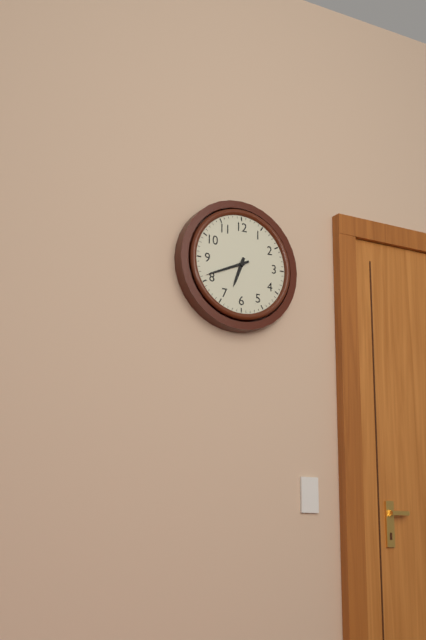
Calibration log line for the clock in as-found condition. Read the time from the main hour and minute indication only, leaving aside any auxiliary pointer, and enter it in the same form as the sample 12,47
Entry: 6,41
